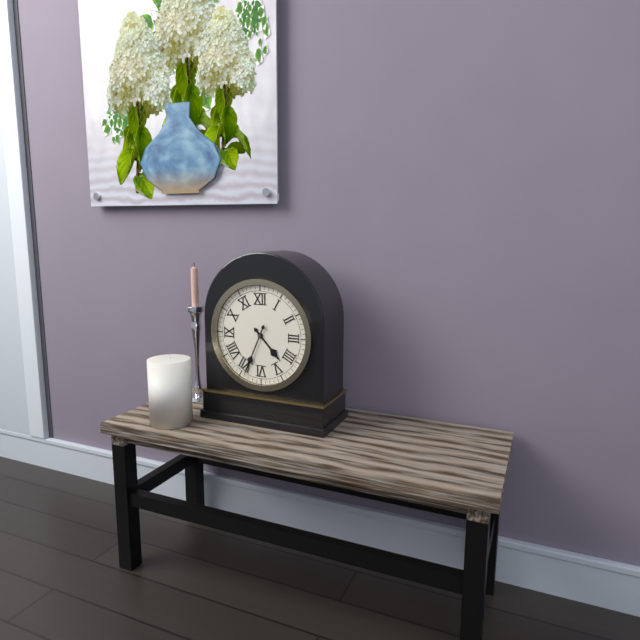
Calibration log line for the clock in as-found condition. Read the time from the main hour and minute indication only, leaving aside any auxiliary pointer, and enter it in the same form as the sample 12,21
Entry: 4,34
